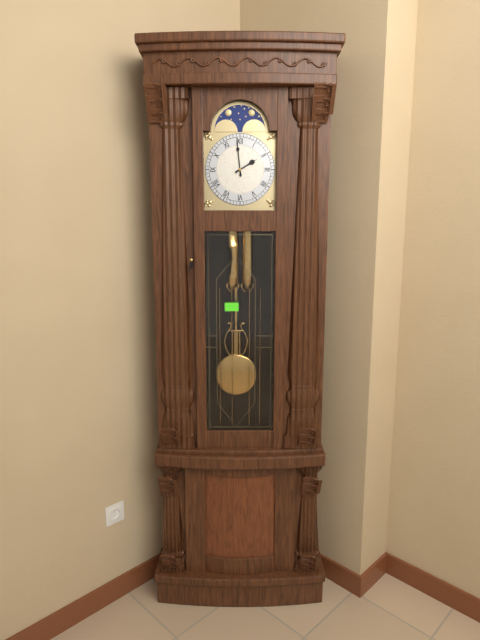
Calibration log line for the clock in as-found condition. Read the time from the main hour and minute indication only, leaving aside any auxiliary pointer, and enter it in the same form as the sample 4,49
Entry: 1,59
